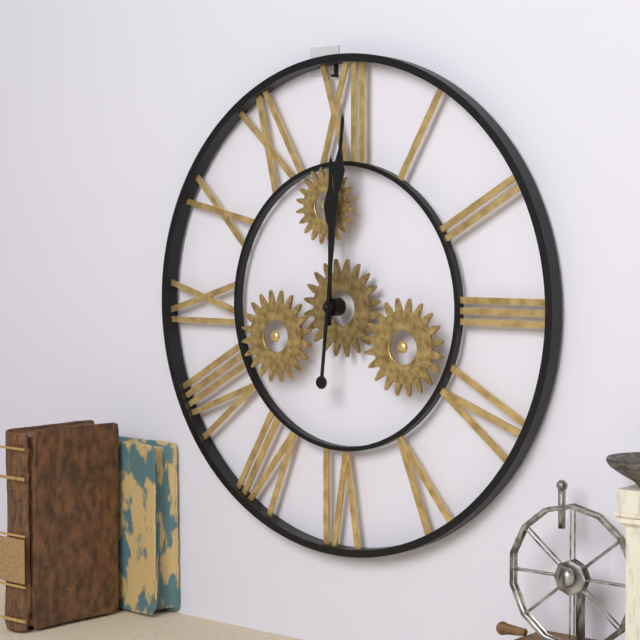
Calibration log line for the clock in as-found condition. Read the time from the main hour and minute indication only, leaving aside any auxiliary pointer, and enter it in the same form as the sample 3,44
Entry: 12,01
